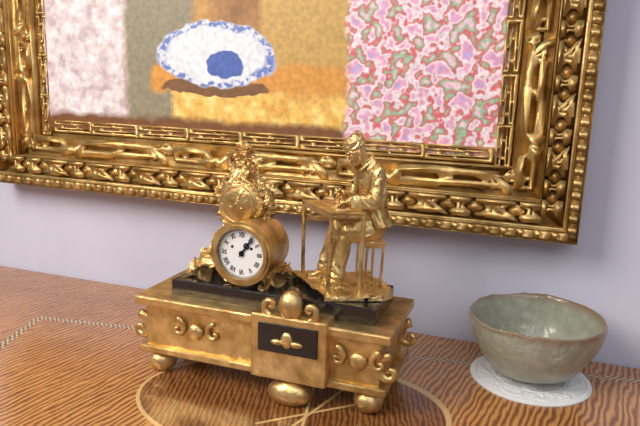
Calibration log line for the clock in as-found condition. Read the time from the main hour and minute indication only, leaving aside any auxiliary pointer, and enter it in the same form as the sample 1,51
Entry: 1,06
